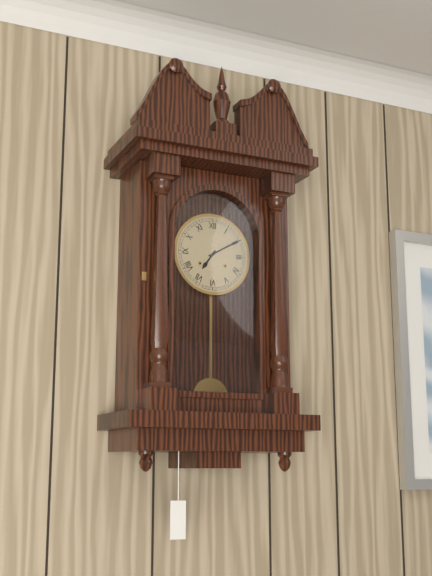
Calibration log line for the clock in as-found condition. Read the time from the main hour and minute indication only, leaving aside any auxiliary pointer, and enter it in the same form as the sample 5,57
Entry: 7,10
